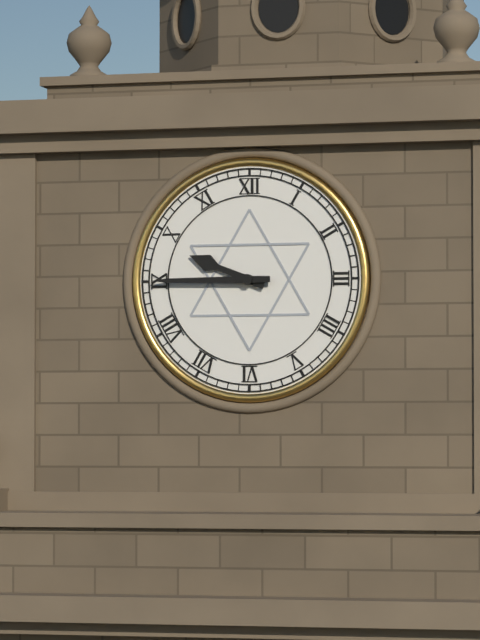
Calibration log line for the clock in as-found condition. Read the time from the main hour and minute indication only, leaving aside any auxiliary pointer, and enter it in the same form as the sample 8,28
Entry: 9,45
